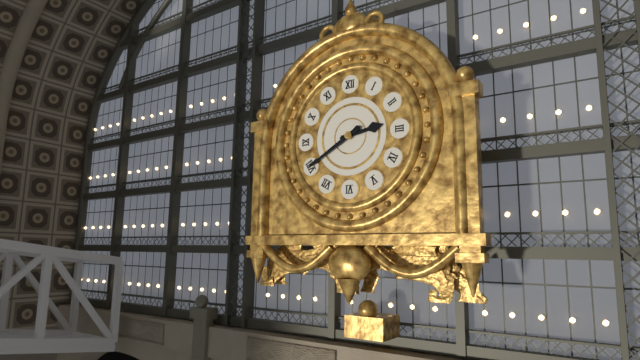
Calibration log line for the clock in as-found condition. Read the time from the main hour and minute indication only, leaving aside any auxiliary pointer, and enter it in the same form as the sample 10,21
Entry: 2,40
